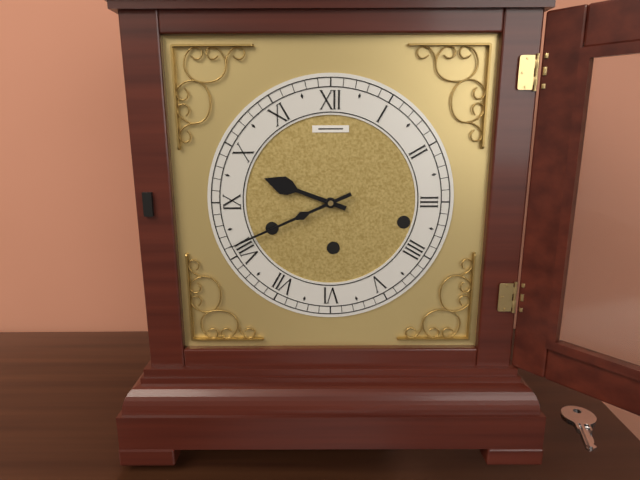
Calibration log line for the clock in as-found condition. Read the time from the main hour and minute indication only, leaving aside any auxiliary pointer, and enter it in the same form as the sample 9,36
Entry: 9,41
